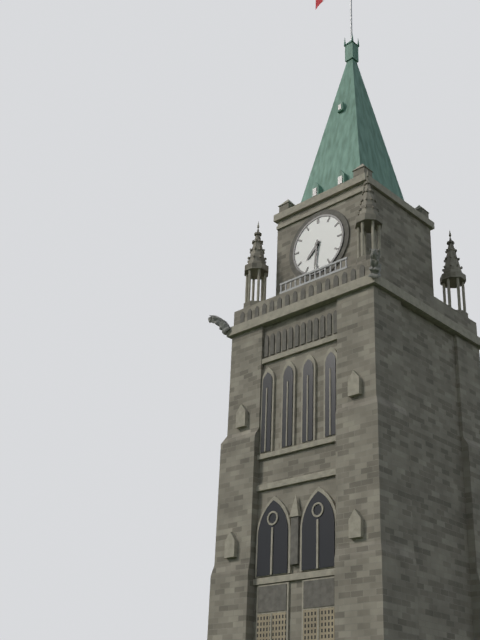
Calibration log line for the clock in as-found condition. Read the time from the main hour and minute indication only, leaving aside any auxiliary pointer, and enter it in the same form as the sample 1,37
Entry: 7,31
